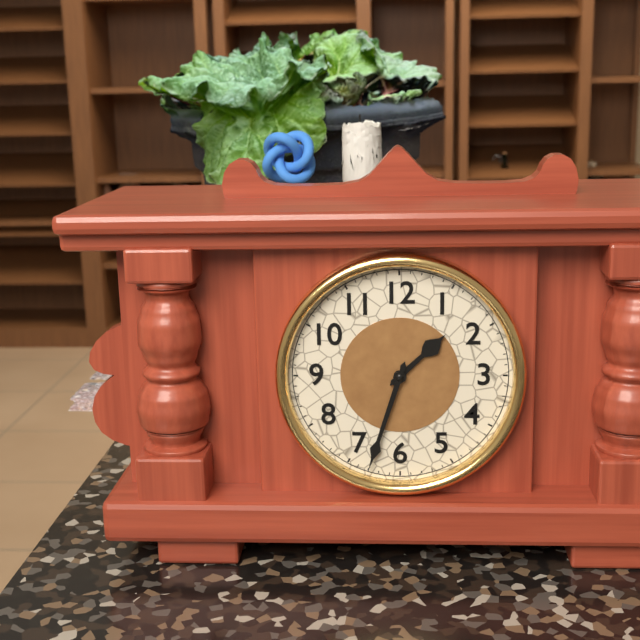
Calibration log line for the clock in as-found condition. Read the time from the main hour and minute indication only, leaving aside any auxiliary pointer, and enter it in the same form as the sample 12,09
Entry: 1,33
